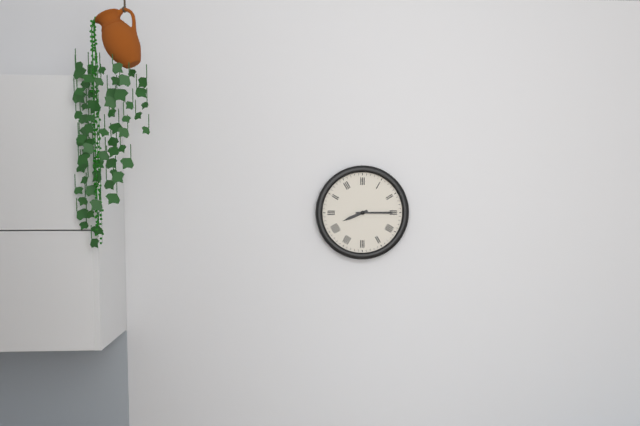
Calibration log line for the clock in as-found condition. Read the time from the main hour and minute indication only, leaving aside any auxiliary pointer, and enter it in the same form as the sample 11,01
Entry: 8,15
